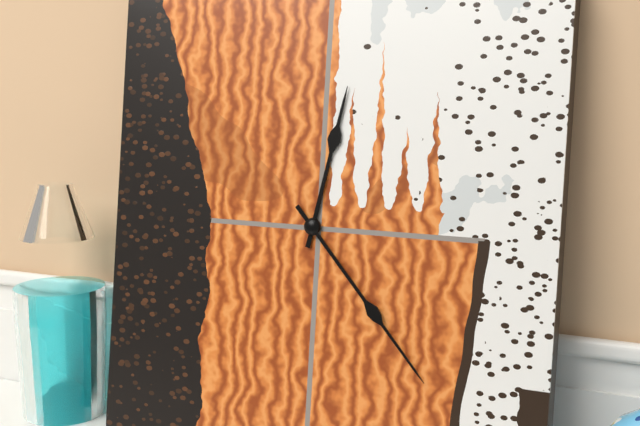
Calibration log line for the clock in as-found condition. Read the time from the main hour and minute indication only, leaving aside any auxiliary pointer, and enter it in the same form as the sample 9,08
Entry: 12,23
